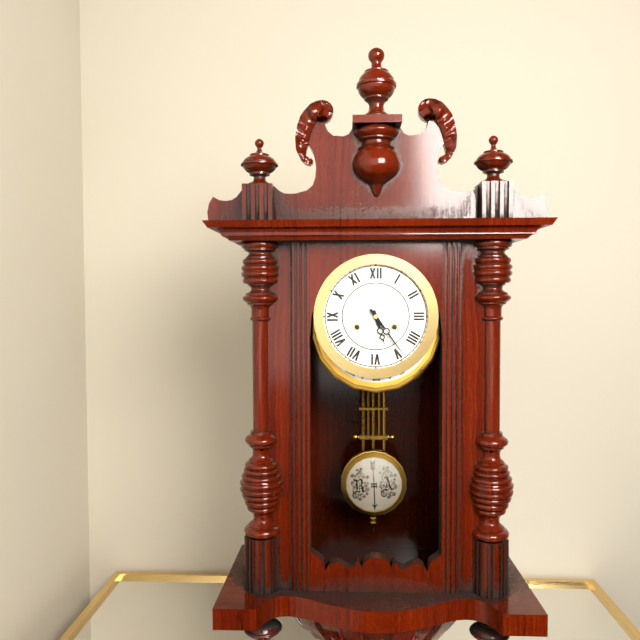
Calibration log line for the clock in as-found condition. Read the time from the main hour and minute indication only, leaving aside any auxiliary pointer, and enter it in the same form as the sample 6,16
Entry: 5,24
